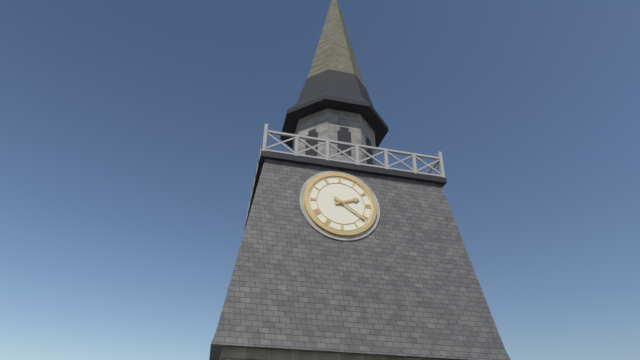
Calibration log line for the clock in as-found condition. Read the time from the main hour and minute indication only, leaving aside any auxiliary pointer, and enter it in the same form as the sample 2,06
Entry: 2,21
